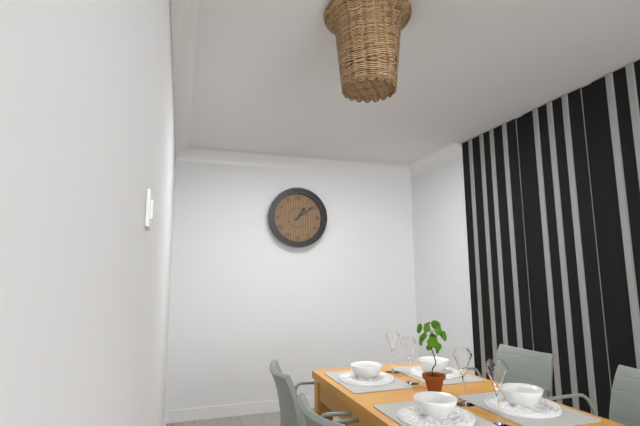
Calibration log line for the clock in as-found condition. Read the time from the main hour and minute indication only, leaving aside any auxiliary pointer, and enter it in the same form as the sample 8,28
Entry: 1,09
